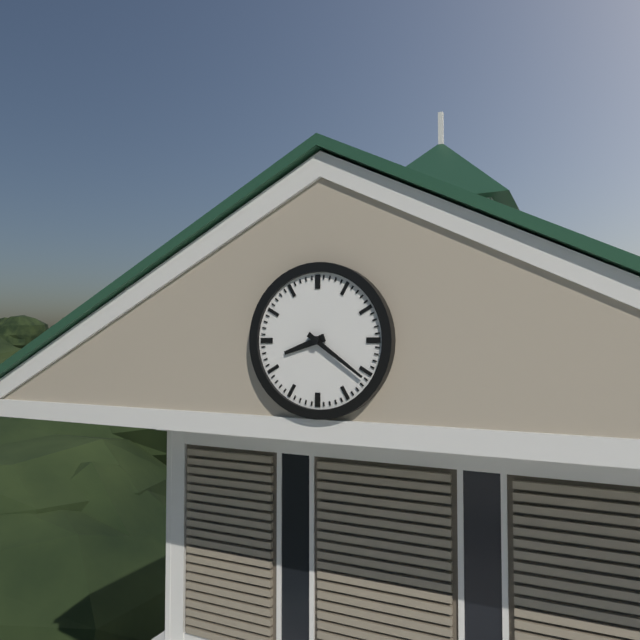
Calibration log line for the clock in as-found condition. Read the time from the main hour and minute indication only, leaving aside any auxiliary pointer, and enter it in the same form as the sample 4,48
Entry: 8,21
